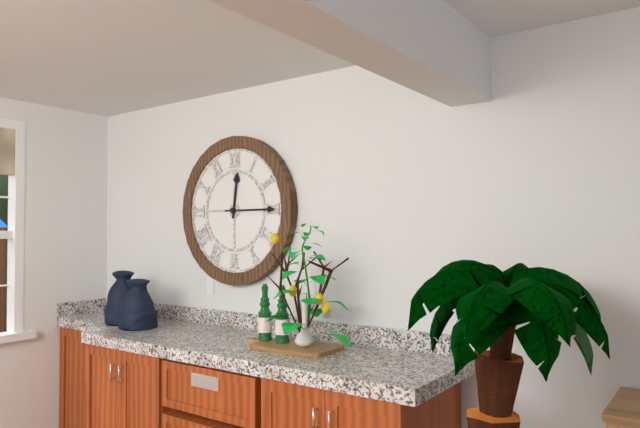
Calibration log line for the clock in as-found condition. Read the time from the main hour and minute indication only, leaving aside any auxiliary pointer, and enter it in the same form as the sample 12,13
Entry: 12,15
